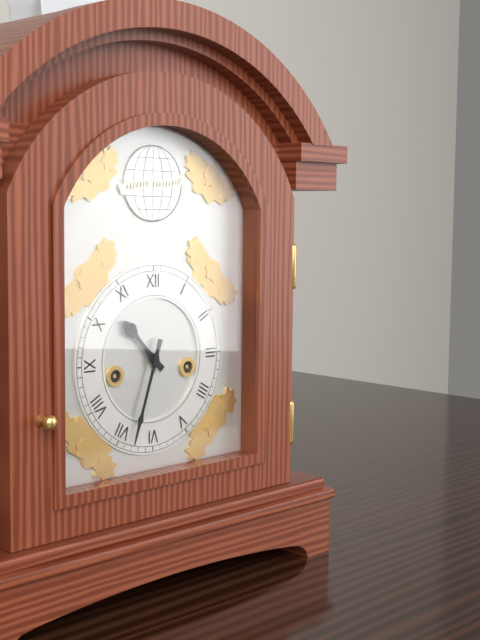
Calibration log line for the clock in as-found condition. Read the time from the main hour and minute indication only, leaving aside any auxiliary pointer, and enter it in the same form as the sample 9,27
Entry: 10,33
